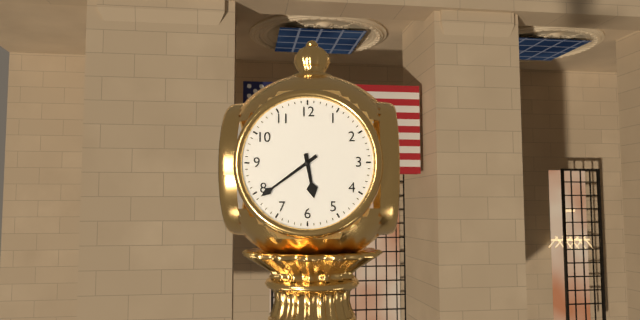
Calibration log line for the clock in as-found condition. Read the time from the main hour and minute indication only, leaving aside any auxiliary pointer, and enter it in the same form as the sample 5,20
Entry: 5,39
